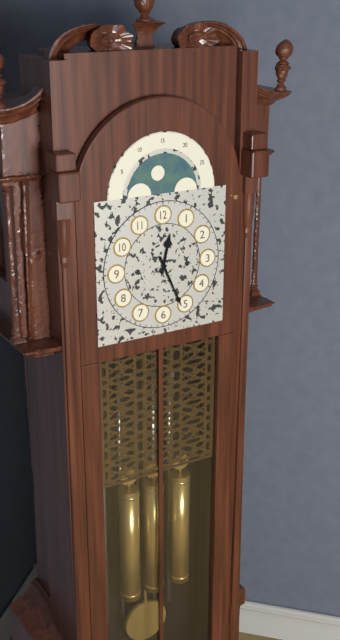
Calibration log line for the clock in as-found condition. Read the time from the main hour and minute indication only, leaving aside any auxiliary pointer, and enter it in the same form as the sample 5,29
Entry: 12,26
